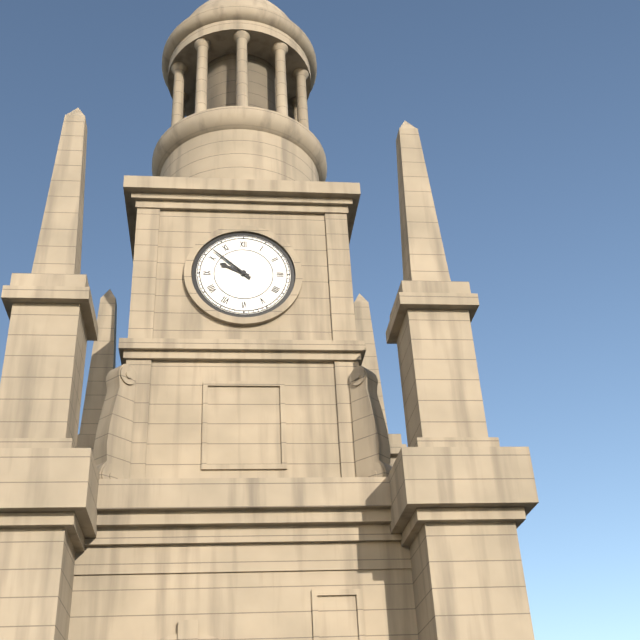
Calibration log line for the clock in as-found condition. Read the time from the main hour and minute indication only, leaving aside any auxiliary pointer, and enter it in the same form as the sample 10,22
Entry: 9,52
